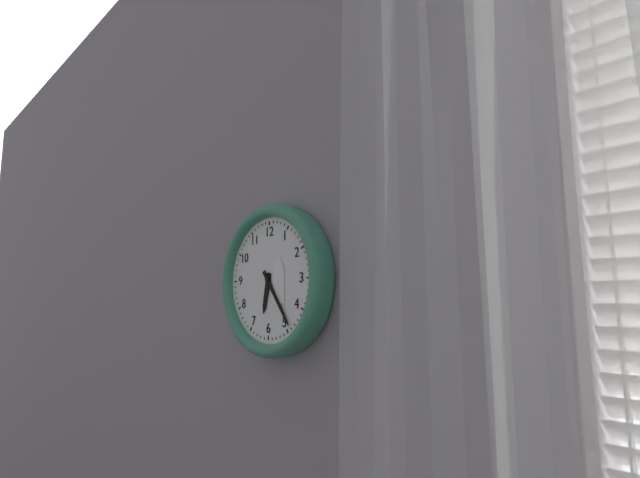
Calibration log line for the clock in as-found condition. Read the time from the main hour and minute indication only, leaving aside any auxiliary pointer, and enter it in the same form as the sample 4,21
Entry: 6,24
